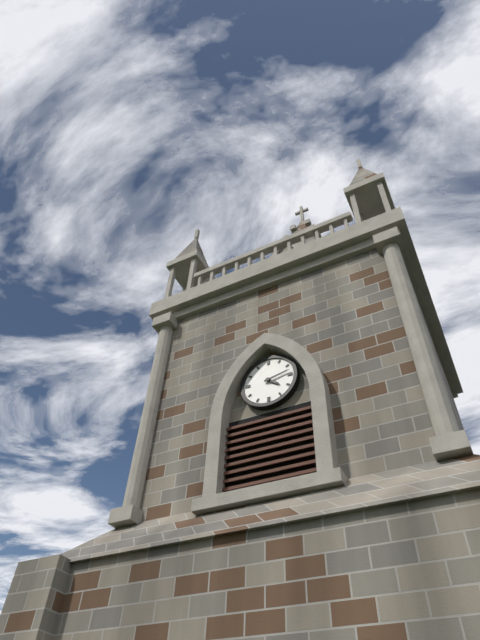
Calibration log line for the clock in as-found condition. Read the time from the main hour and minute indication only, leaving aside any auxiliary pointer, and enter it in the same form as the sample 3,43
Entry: 4,13
